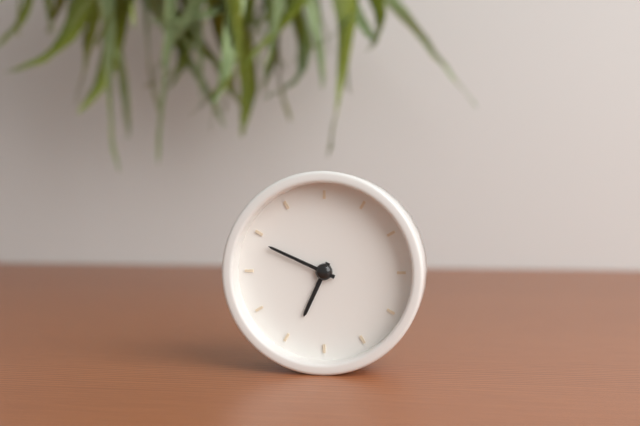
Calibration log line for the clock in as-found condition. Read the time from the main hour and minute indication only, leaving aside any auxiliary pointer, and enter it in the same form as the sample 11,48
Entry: 6,49
